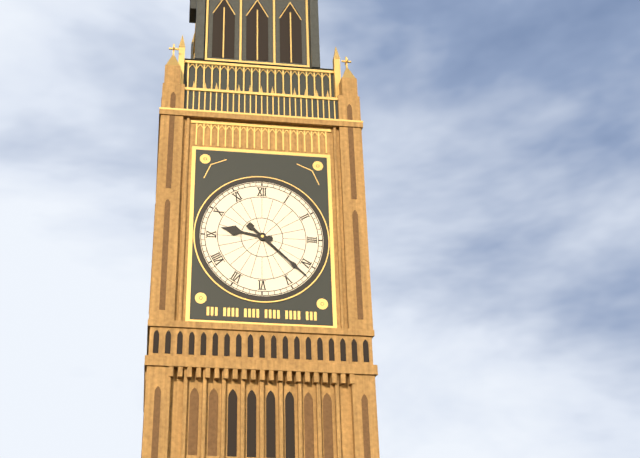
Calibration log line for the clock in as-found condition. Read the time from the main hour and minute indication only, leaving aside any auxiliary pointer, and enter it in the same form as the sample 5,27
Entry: 9,22
